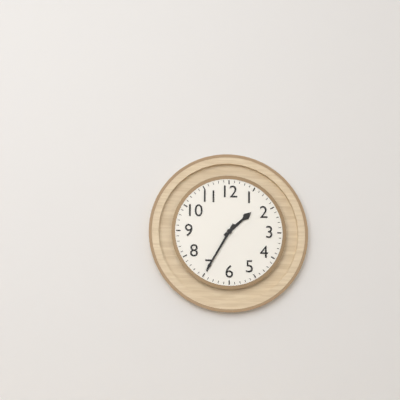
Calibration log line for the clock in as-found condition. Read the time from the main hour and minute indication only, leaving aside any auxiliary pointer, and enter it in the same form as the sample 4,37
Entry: 1,35
